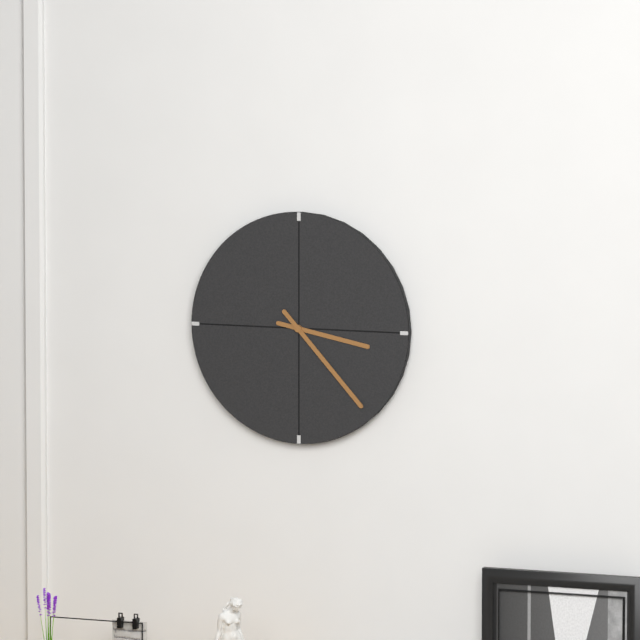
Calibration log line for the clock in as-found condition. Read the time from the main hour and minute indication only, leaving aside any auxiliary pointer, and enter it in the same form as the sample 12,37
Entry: 3,23
